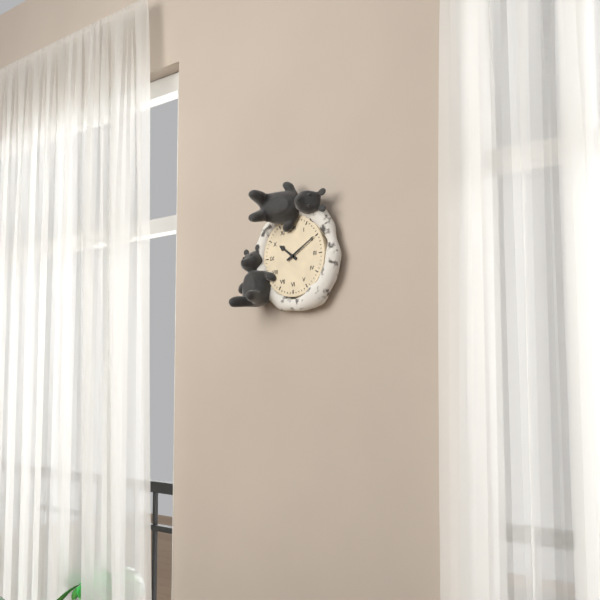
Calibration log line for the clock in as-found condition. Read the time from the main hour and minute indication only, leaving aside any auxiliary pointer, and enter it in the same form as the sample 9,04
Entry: 10,10
